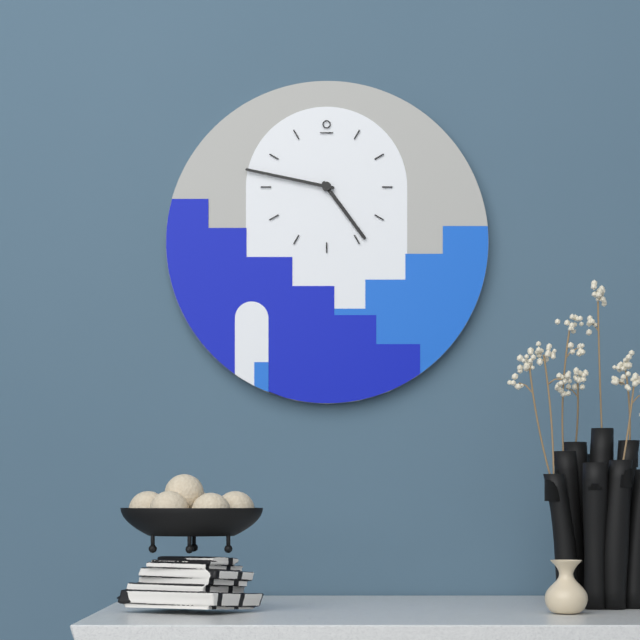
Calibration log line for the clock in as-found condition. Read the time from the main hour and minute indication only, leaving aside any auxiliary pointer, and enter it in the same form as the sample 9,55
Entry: 4,47
